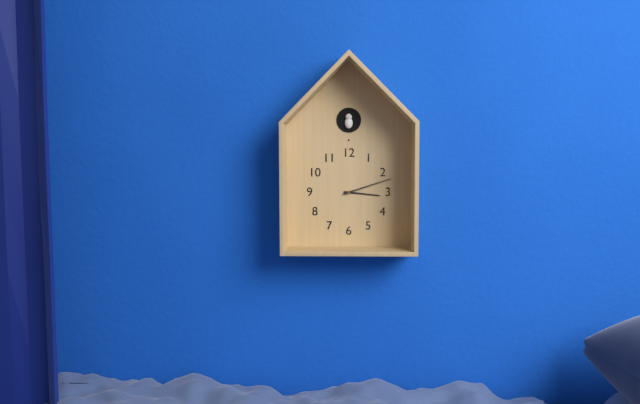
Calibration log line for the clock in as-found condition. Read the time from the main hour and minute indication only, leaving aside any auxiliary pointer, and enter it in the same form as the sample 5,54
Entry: 3,12
